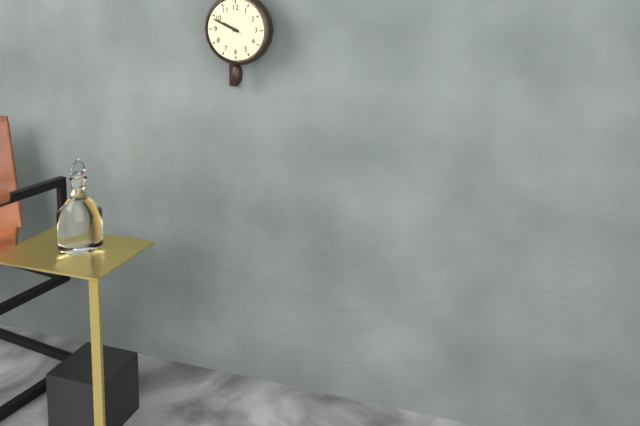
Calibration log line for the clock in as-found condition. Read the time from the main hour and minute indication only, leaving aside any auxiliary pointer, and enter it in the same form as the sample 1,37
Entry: 9,49
